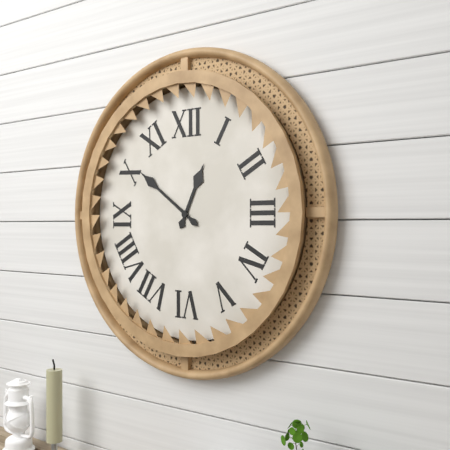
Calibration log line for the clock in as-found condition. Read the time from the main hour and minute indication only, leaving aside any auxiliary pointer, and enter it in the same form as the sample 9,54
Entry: 12,51
